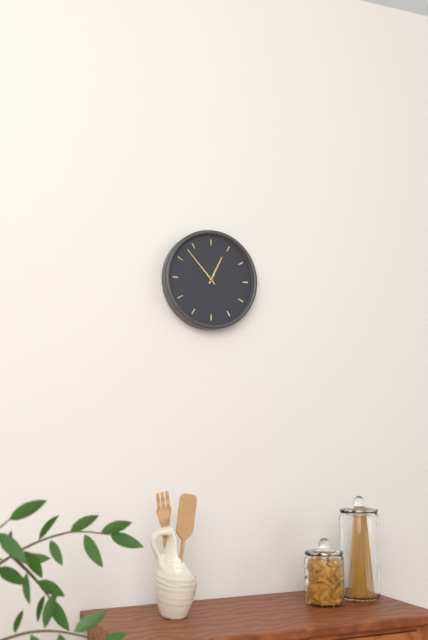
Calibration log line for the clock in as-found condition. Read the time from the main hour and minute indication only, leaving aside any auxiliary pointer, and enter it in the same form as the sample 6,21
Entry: 12,53
